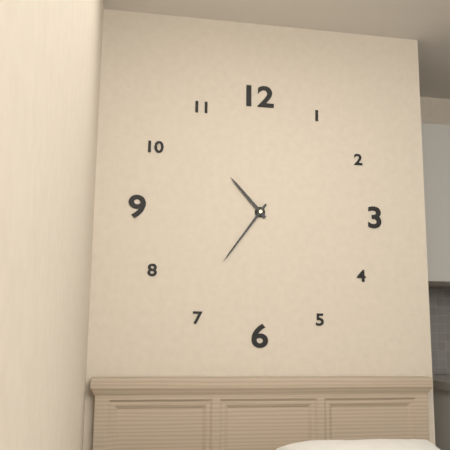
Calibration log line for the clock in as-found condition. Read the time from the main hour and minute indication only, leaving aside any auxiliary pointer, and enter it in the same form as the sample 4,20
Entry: 10,36
